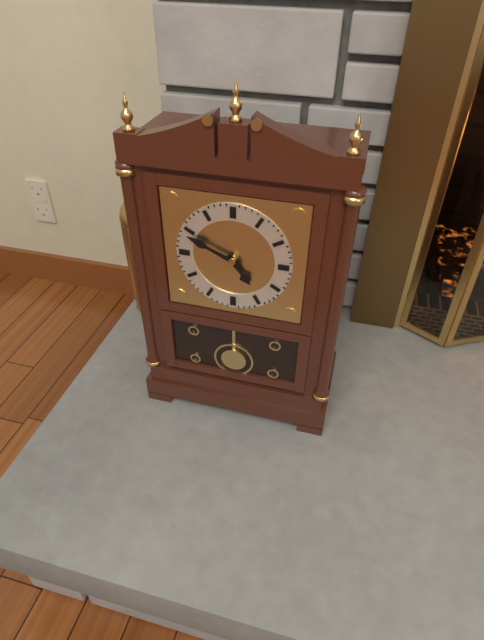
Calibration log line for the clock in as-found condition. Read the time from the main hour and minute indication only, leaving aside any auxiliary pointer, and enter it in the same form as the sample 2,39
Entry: 4,49
